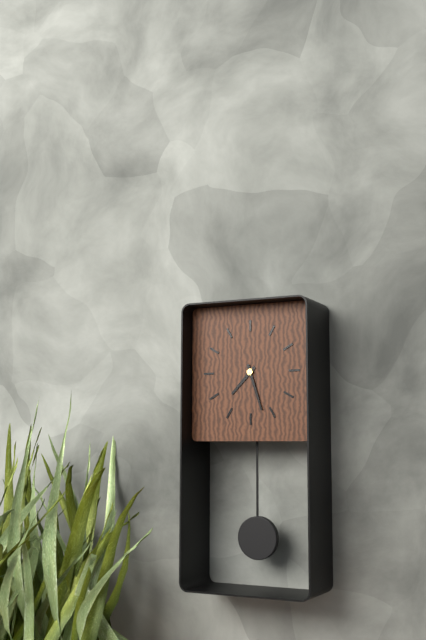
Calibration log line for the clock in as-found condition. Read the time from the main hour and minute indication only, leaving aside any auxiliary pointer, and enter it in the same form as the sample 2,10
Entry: 7,27
